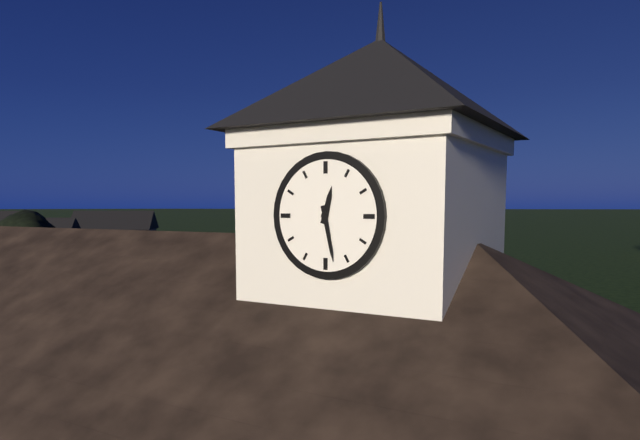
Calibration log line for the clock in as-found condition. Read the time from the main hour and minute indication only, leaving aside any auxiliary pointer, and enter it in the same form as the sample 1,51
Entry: 12,28
